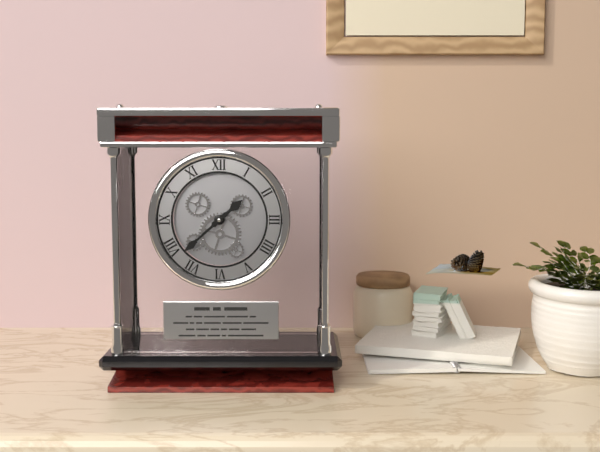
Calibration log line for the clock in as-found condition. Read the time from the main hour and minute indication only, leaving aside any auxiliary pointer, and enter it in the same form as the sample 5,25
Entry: 1,38
